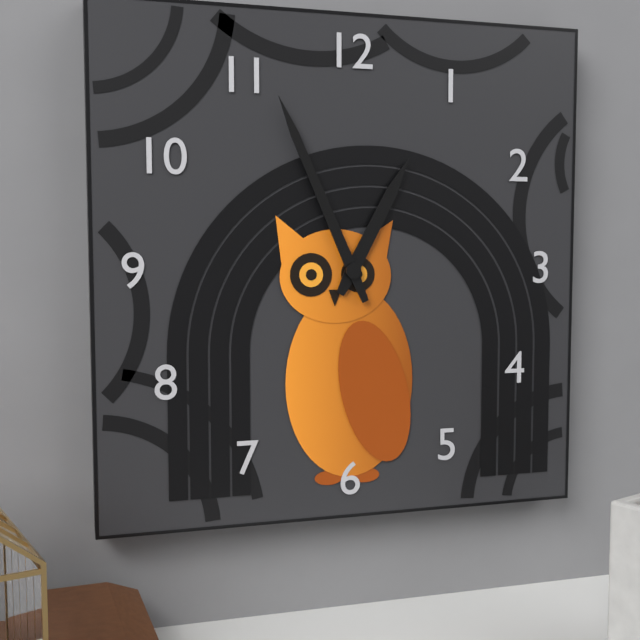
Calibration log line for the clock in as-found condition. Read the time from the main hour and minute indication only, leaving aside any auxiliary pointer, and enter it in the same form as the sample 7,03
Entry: 12,56
